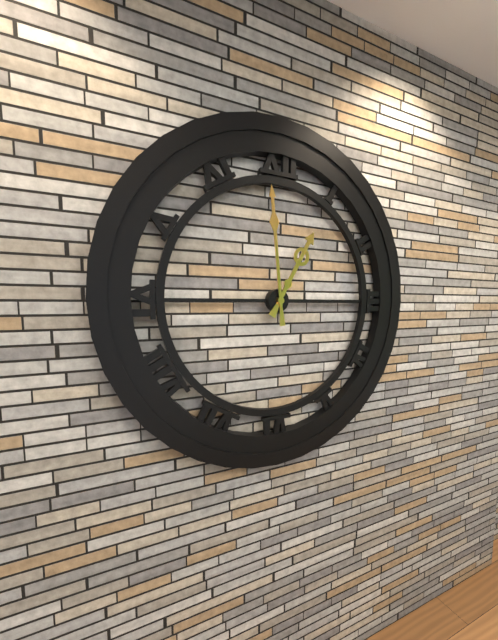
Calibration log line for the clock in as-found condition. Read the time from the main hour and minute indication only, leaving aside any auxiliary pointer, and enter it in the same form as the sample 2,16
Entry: 12,59
